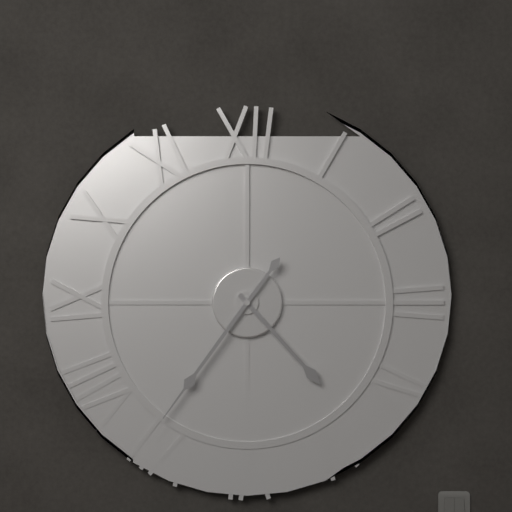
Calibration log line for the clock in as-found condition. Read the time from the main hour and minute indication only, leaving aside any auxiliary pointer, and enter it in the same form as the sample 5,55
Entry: 4,36
